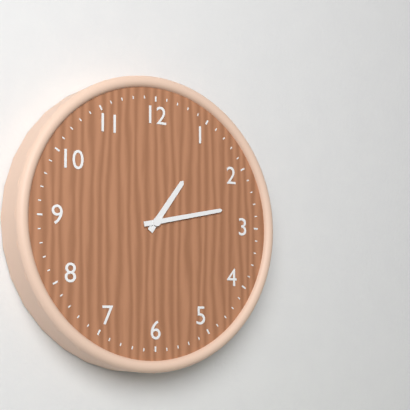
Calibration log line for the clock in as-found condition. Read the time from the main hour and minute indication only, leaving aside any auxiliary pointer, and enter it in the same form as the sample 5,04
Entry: 1,13
